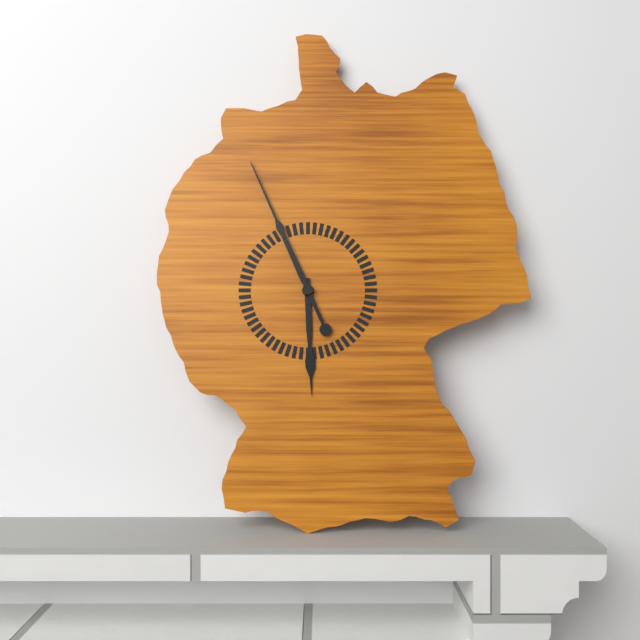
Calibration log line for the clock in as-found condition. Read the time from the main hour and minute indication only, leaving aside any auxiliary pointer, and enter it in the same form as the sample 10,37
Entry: 5,56
